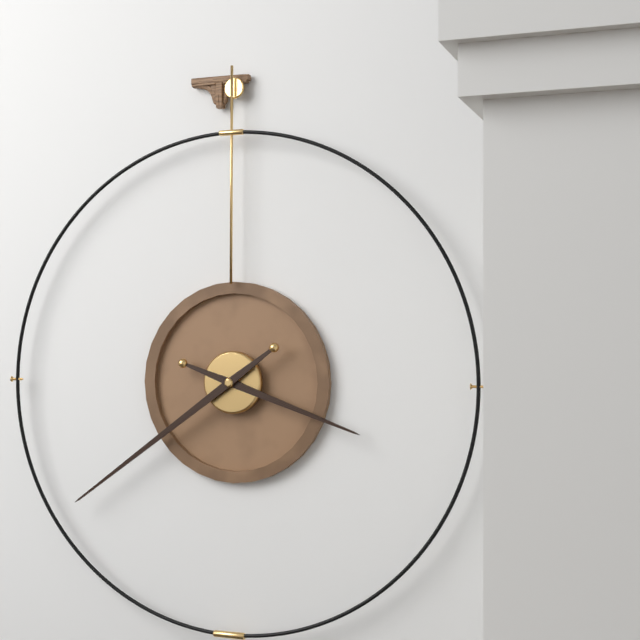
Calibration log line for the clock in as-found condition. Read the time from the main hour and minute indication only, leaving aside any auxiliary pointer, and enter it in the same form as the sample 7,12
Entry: 3,39
